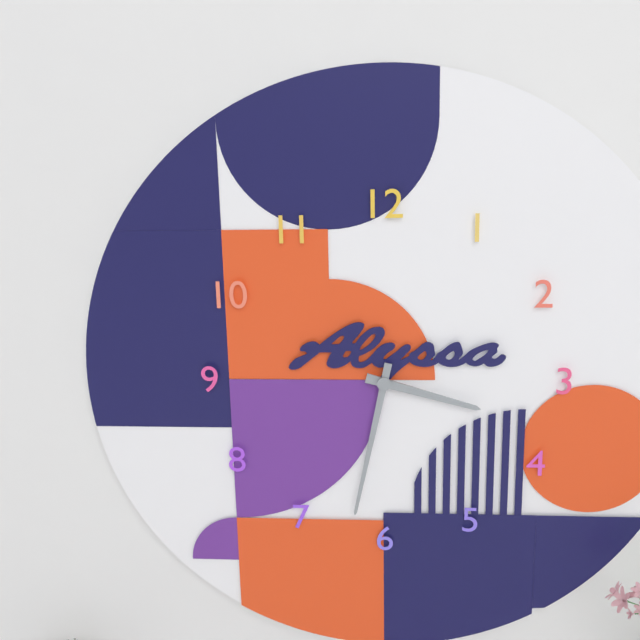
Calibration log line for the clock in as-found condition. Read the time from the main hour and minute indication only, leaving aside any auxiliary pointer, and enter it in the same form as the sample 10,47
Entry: 3,32
